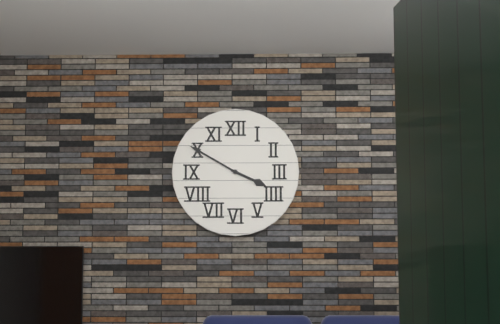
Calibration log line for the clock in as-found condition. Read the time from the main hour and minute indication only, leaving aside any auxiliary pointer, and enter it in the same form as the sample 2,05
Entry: 3,50
